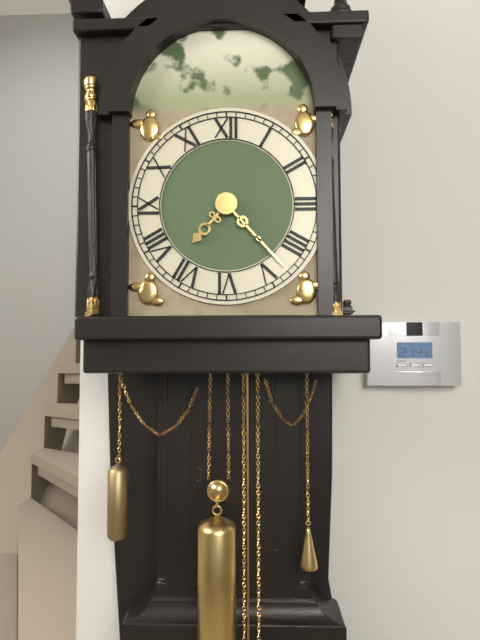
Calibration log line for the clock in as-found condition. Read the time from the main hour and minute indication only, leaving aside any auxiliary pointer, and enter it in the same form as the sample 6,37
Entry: 7,23
